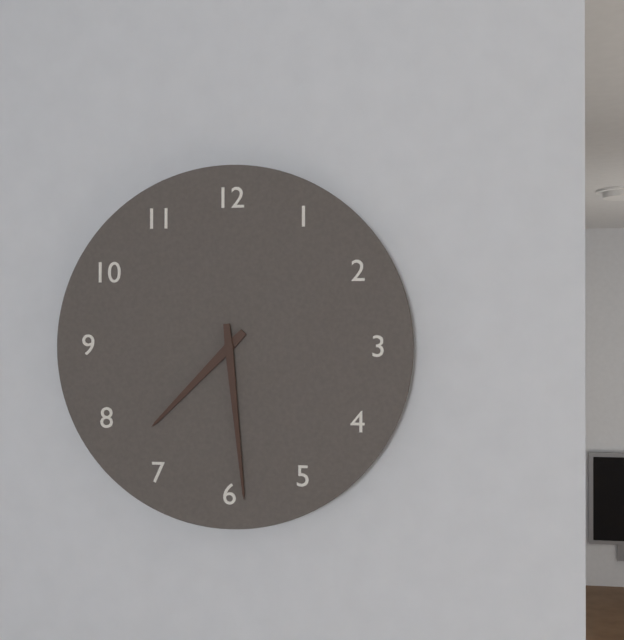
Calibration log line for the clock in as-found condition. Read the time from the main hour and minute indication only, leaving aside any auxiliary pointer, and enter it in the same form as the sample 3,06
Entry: 7,29
